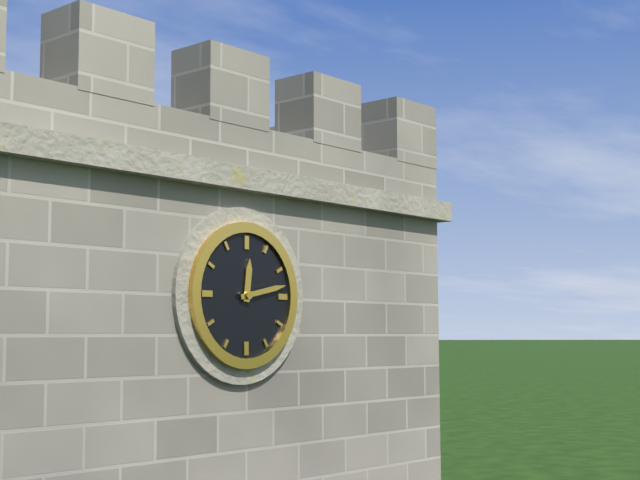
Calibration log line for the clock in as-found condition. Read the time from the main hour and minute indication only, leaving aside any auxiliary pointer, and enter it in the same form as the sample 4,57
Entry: 12,13
